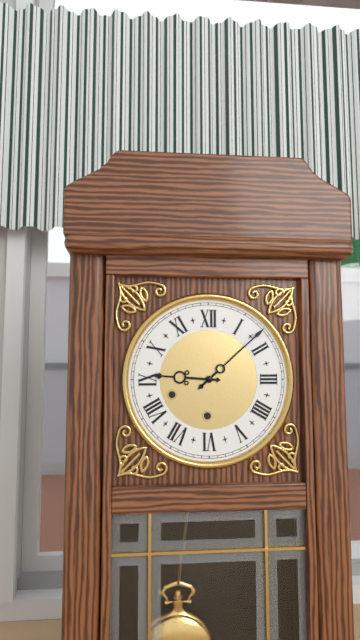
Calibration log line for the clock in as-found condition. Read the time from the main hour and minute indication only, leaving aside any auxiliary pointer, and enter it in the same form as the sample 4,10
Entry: 9,08
